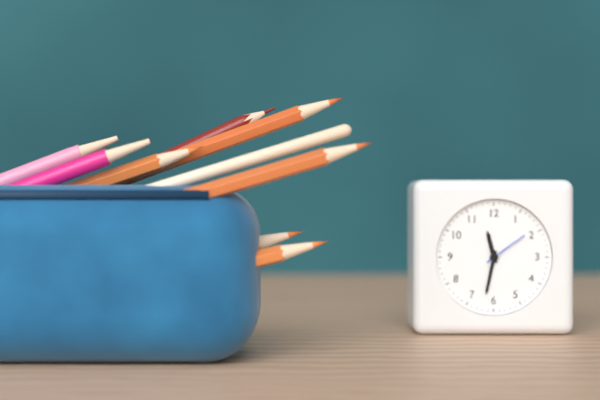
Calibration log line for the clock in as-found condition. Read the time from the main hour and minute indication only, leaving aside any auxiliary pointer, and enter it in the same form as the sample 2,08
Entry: 11,32
